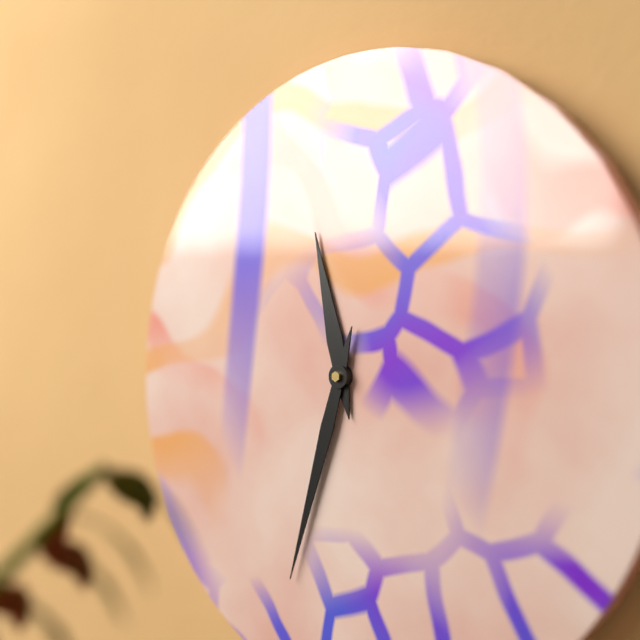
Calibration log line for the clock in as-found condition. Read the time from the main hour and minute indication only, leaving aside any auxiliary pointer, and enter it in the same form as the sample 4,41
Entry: 11,33
